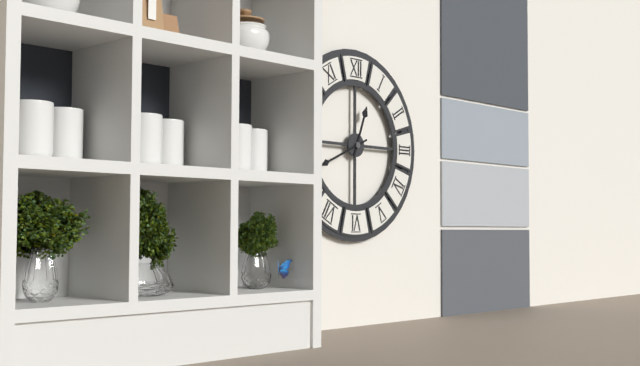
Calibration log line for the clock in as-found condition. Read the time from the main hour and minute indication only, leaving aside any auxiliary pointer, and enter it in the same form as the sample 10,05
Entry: 12,41
